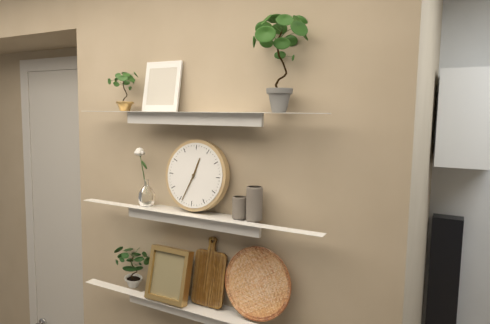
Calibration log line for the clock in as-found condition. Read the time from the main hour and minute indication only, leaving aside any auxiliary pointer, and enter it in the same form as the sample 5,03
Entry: 12,34
